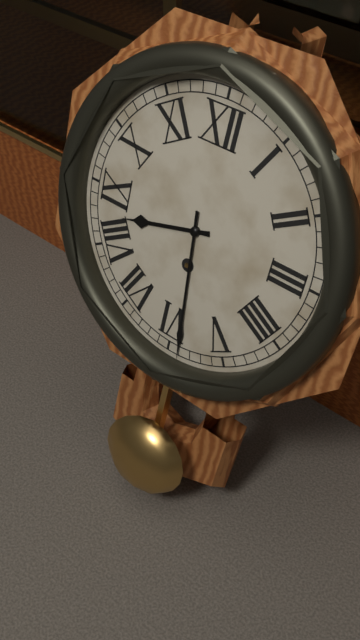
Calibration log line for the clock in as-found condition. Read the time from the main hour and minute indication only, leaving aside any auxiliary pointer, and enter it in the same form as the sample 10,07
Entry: 8,29
